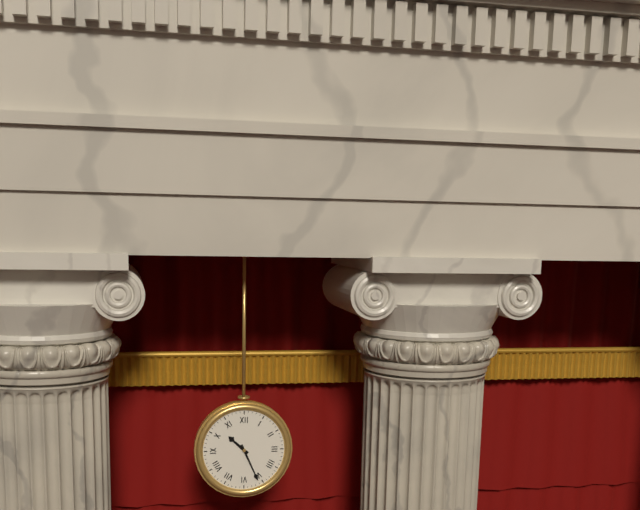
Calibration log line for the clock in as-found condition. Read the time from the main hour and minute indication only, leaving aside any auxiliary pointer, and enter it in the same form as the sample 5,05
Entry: 10,26
